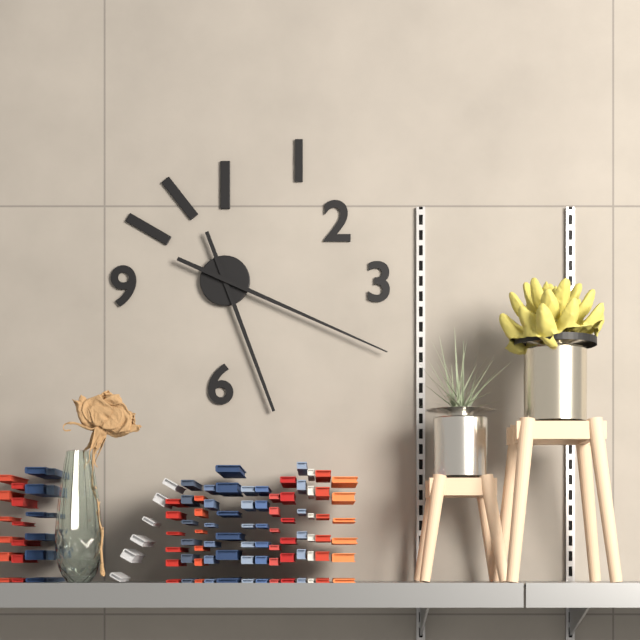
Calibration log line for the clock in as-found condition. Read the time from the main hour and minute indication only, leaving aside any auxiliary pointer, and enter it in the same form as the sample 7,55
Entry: 5,19
